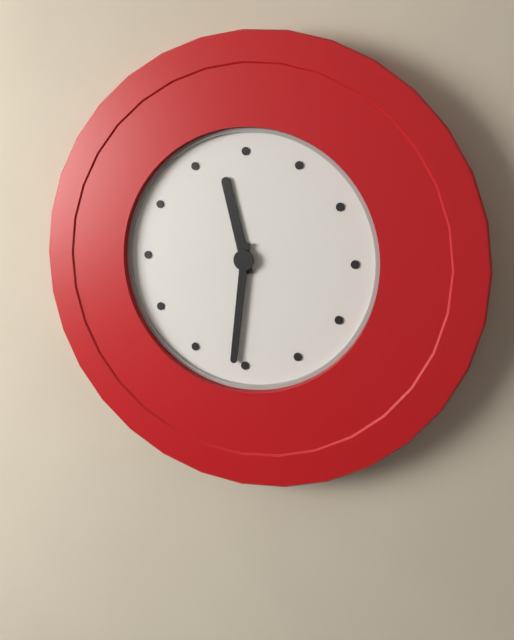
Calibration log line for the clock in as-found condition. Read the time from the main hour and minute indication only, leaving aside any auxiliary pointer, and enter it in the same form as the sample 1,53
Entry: 11,31
